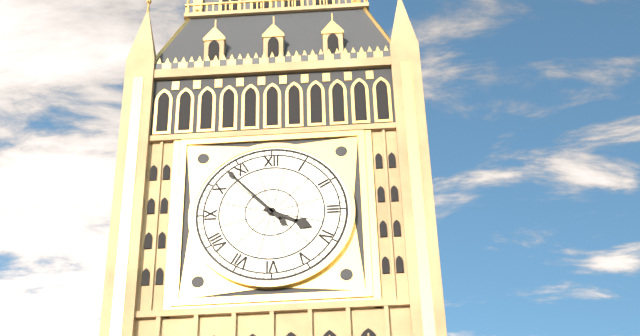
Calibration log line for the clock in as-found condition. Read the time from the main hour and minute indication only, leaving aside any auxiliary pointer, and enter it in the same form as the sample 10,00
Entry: 3,53
